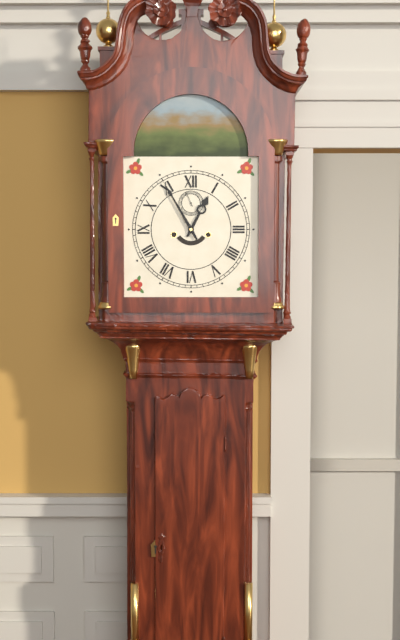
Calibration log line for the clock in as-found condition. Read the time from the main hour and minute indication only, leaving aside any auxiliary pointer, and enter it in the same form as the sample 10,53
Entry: 12,55
